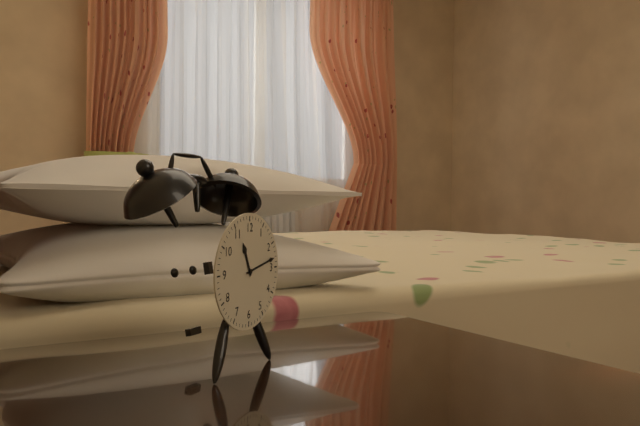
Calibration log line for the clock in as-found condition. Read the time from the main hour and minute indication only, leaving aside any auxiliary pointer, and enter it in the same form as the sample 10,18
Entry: 11,13
